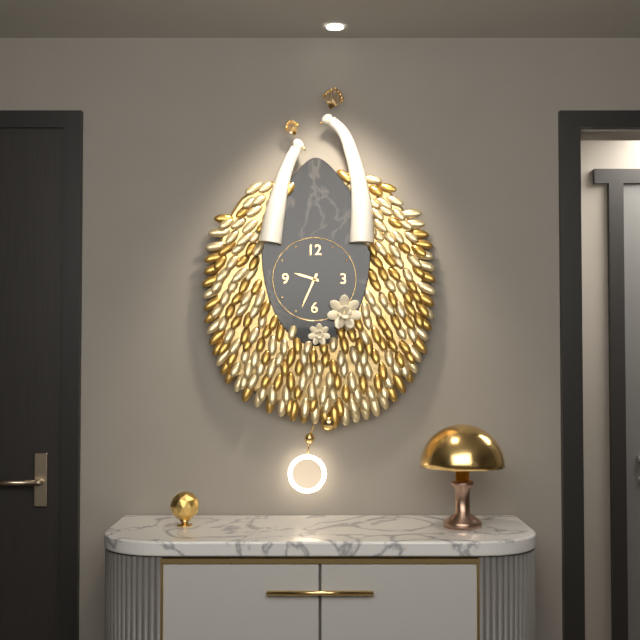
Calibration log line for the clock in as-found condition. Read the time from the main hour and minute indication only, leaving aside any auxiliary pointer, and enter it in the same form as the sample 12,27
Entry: 9,34
